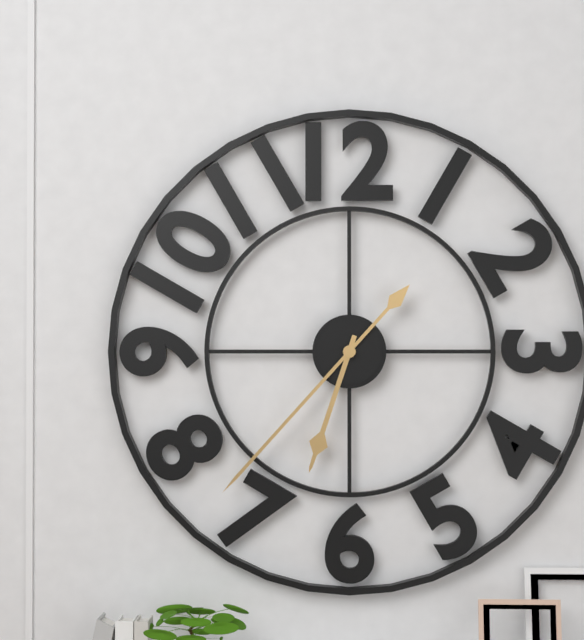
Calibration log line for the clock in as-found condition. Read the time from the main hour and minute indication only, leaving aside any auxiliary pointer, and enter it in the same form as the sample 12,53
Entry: 6,37
